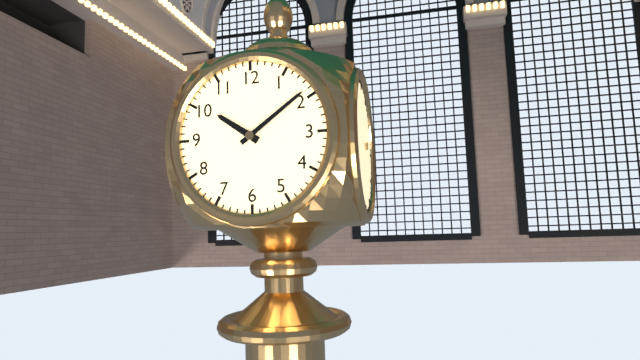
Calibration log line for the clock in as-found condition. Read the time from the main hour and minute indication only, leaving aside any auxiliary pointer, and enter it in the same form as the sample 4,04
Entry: 10,09
